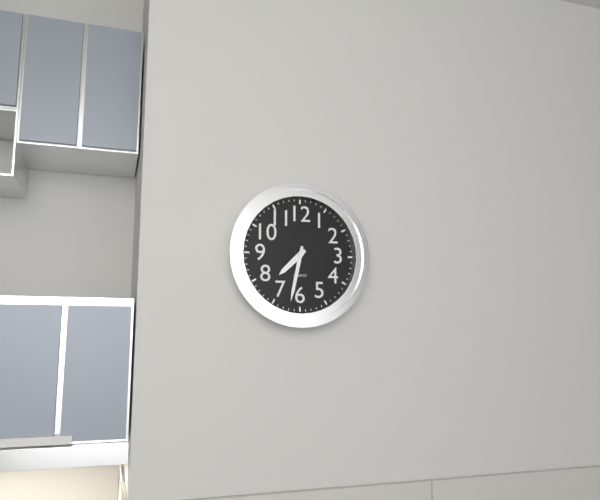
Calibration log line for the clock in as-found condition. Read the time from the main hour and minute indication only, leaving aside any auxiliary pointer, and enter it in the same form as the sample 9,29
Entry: 7,32
